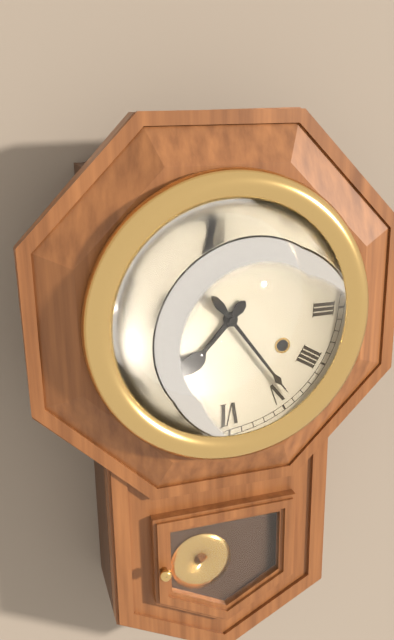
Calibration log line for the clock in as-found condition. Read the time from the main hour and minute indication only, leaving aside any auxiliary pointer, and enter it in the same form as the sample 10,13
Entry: 7,24
